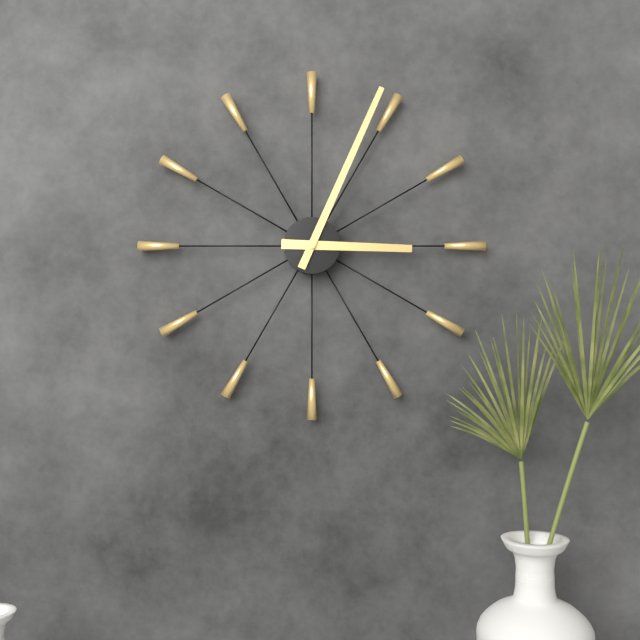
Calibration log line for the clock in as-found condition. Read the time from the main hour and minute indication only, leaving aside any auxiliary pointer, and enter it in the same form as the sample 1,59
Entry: 3,04
